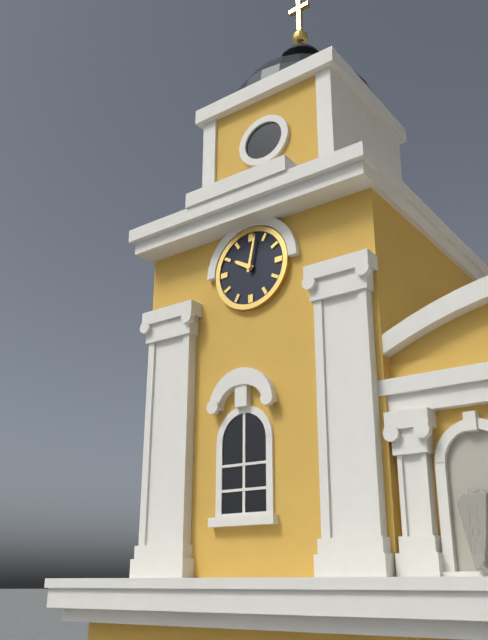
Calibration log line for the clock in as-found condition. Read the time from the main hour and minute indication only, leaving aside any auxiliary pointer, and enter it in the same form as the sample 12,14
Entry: 10,02
